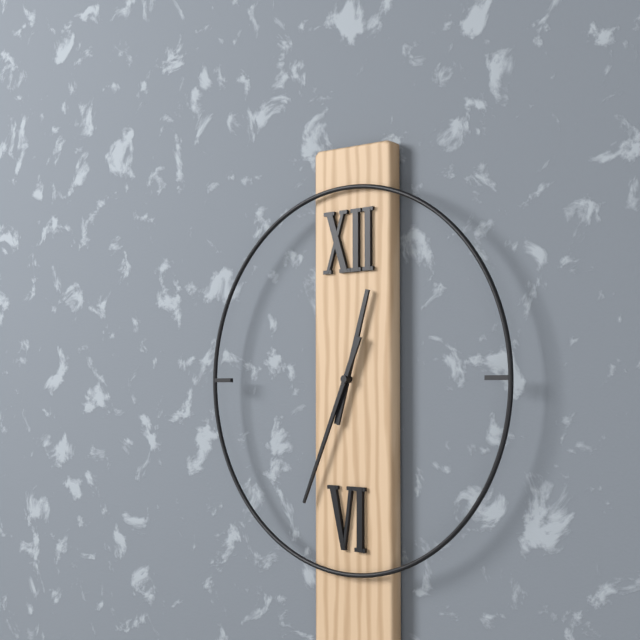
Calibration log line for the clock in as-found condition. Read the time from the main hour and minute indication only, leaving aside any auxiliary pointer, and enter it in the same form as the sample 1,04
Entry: 12,34
